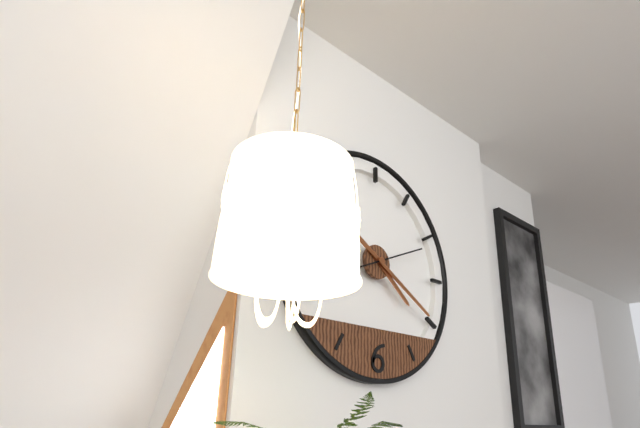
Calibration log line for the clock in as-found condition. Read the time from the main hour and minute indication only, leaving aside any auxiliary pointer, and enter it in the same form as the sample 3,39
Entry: 4,20
